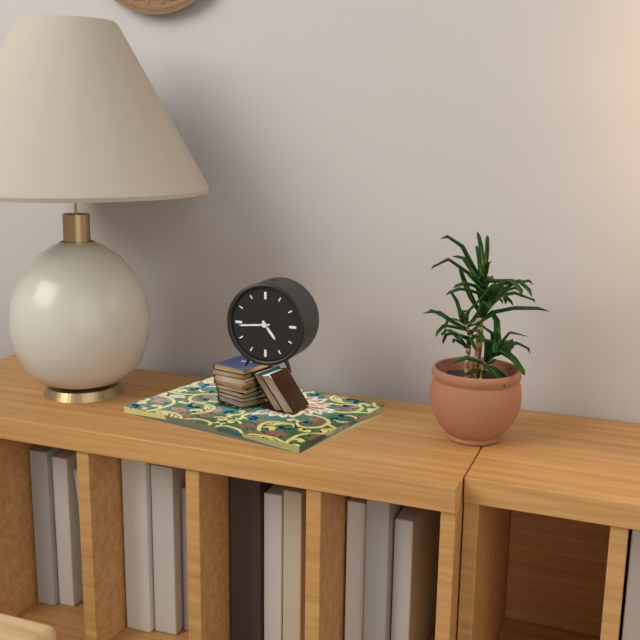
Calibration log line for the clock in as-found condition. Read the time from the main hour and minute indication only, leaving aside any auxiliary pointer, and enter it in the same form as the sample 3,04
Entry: 4,44
